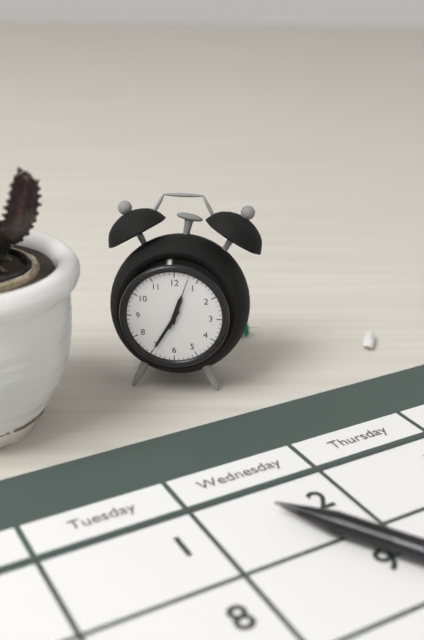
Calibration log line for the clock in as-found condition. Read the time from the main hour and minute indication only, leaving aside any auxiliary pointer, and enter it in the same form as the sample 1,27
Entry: 12,35
